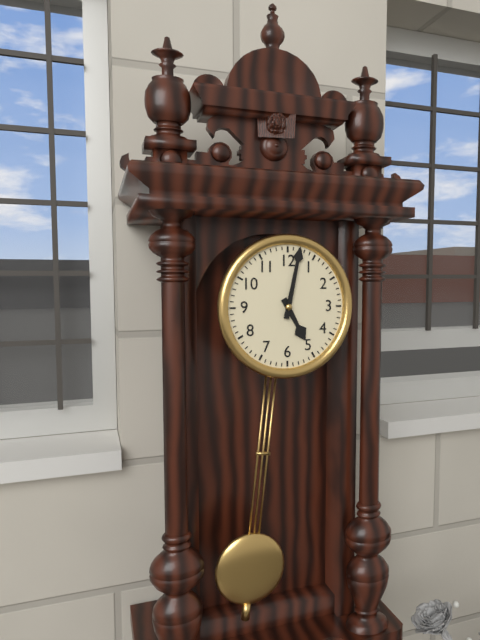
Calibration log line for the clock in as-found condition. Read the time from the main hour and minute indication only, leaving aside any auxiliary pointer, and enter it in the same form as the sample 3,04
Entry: 5,02
